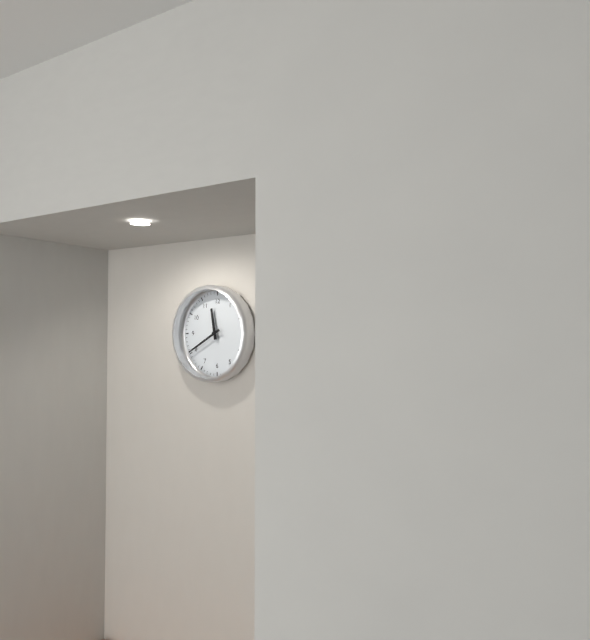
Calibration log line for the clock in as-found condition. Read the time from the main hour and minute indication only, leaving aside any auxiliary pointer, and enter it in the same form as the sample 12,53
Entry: 11,40
